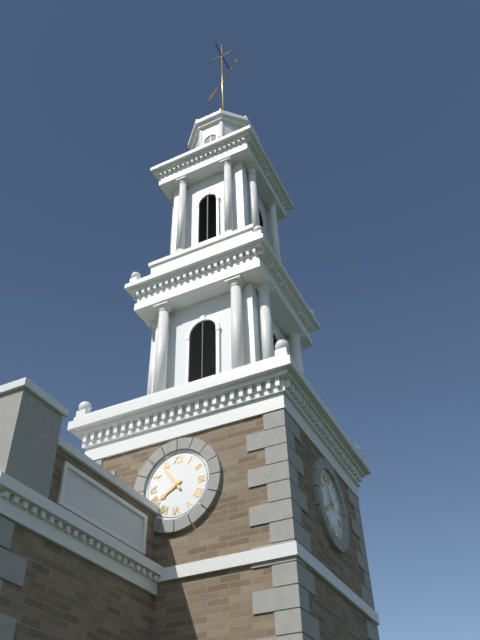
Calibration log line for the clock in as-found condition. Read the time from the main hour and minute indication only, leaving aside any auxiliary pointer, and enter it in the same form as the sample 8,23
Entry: 7,54
